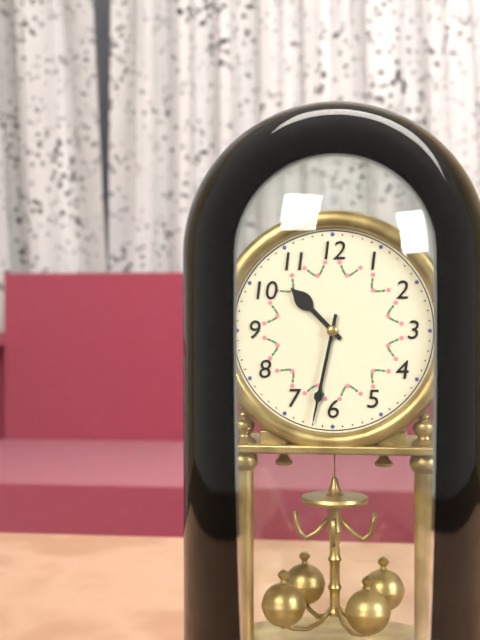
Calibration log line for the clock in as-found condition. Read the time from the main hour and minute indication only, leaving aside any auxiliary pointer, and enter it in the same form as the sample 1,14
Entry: 10,32
